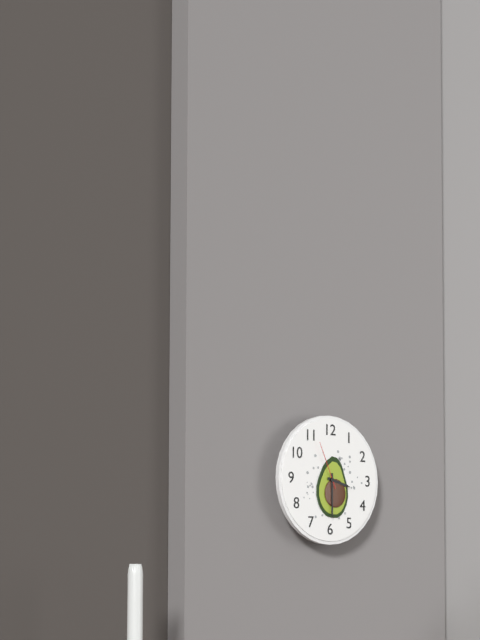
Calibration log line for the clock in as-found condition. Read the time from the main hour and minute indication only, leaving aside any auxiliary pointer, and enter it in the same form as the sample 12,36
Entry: 3,30
